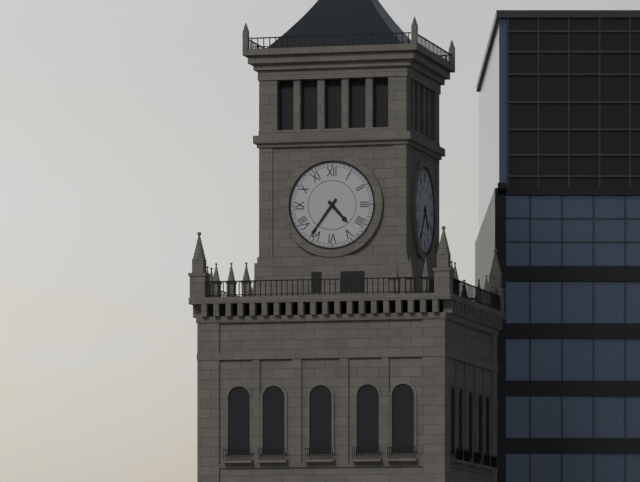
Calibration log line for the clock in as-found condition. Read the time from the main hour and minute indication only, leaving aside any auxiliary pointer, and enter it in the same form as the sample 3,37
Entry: 4,36
